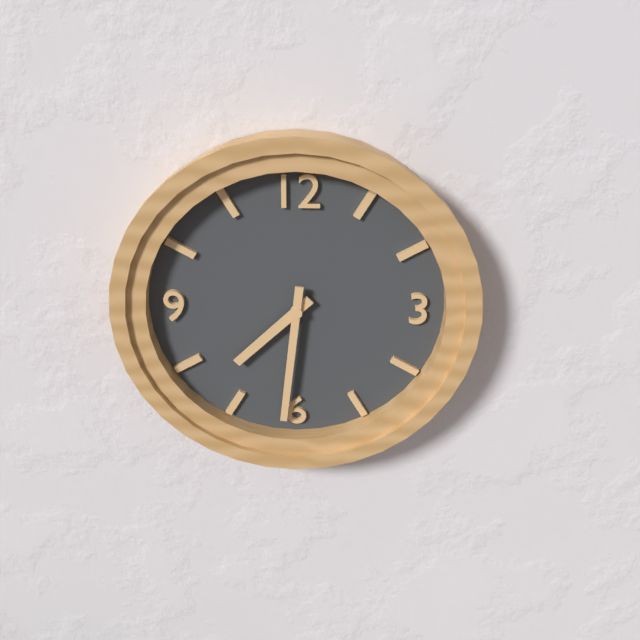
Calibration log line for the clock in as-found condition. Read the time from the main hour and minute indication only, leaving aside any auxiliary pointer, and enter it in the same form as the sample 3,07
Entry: 7,31
